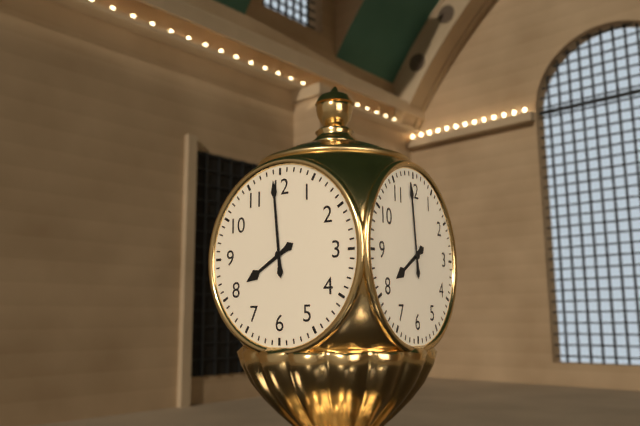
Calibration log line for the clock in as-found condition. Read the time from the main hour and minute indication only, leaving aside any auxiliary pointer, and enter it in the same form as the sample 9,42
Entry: 7,59
